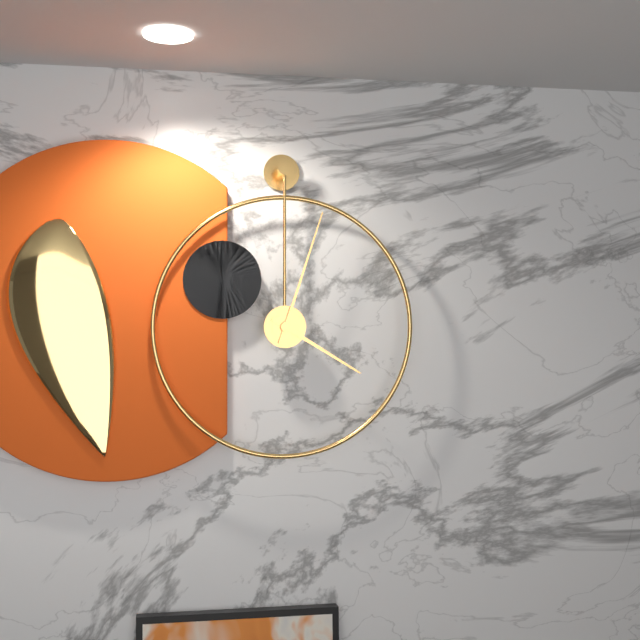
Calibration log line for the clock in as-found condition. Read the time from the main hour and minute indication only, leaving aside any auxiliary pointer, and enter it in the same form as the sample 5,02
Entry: 4,03
